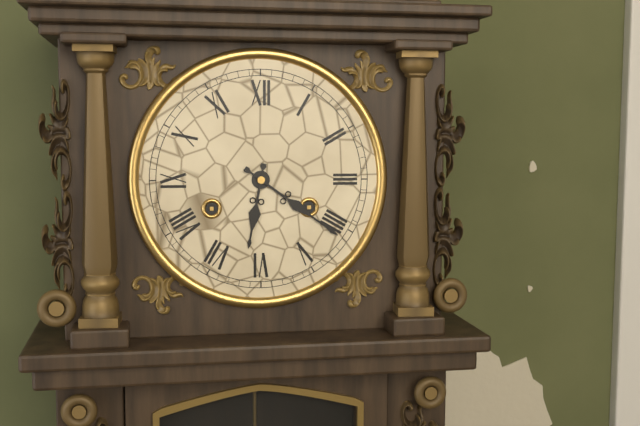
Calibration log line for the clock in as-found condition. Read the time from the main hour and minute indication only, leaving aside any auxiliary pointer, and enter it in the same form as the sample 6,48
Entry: 6,21
